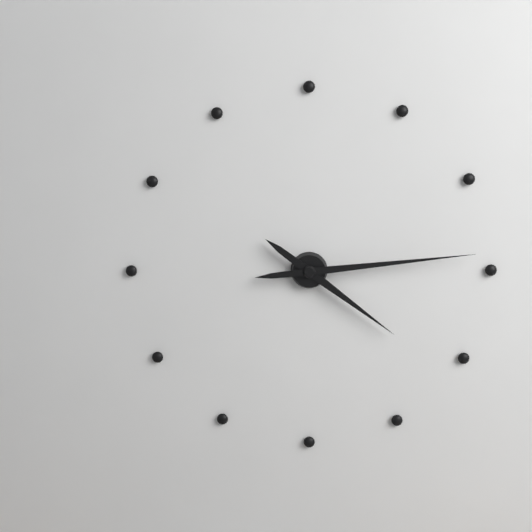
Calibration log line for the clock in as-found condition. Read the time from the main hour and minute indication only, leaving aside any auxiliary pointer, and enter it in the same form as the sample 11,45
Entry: 4,14
